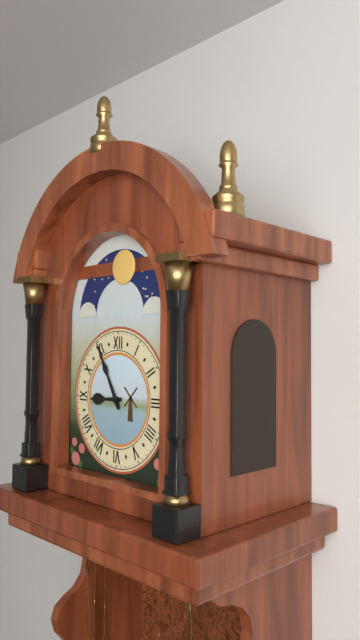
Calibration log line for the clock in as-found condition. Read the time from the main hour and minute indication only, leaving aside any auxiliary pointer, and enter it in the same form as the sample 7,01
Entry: 8,55
